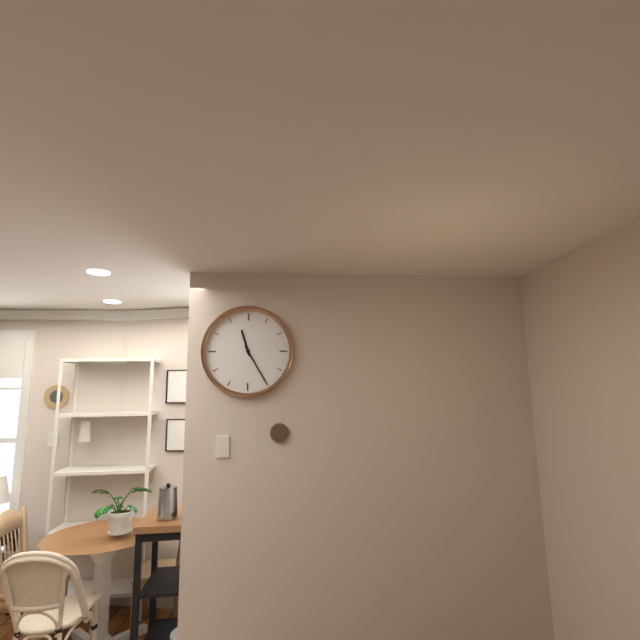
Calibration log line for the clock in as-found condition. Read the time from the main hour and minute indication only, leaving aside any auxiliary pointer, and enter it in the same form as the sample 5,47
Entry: 11,25
